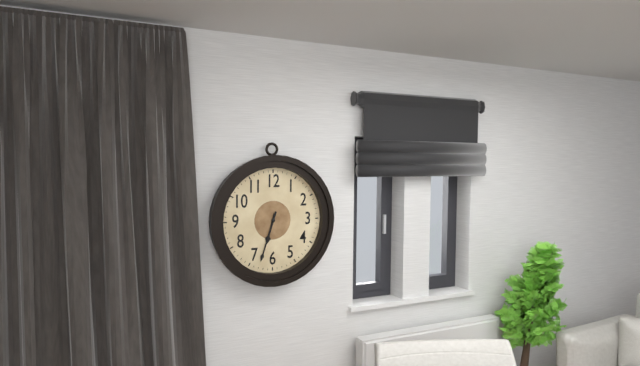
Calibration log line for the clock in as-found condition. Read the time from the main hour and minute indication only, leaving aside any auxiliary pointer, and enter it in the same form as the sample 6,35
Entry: 6,33
